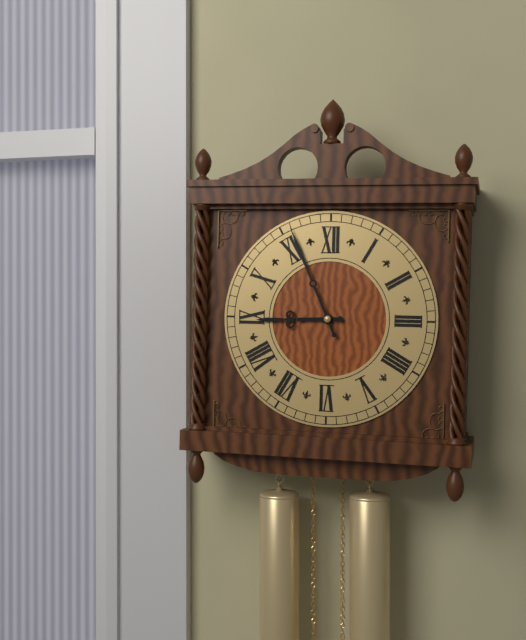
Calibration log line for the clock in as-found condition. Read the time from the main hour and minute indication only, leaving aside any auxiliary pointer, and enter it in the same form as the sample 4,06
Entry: 8,56
